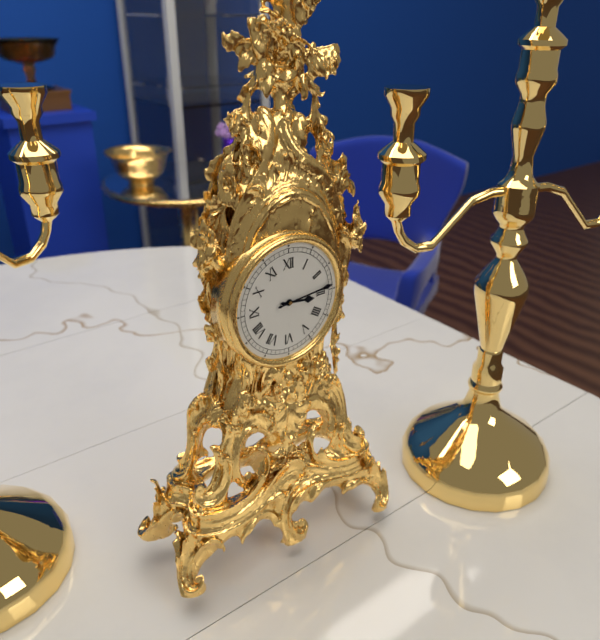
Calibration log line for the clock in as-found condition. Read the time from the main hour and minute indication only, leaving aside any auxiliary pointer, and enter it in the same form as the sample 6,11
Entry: 3,14
